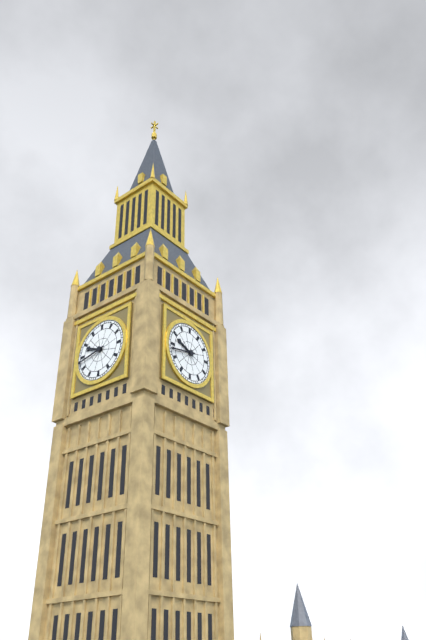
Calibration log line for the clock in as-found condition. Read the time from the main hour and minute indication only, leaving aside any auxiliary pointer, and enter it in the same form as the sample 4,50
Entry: 9,43
